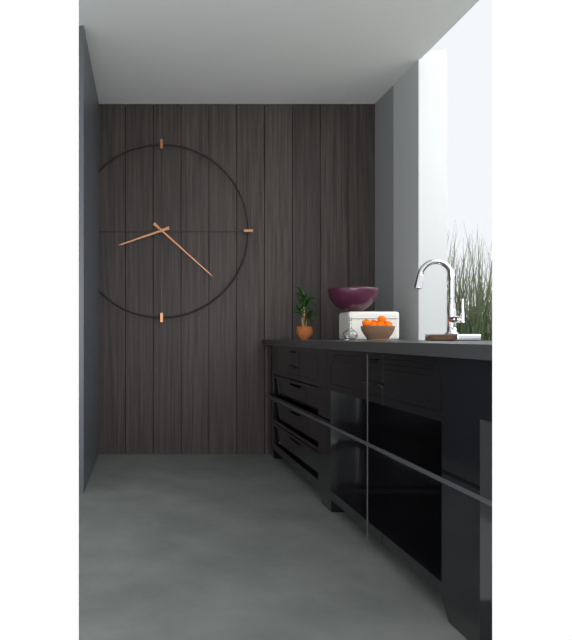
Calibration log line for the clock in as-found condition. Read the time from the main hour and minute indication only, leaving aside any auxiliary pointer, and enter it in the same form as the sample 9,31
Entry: 8,22
